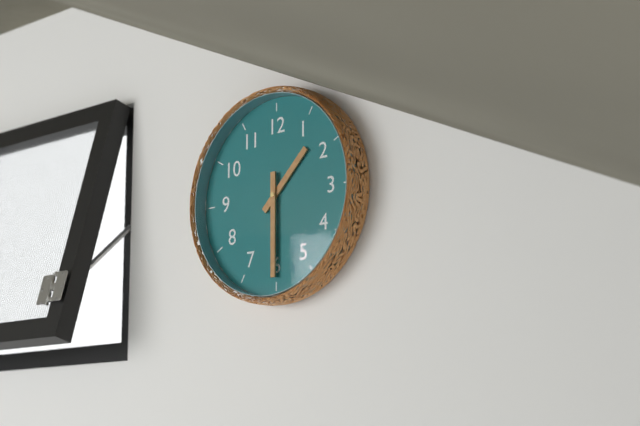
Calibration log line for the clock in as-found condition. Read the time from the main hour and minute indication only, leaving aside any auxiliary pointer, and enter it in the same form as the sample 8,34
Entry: 1,30
